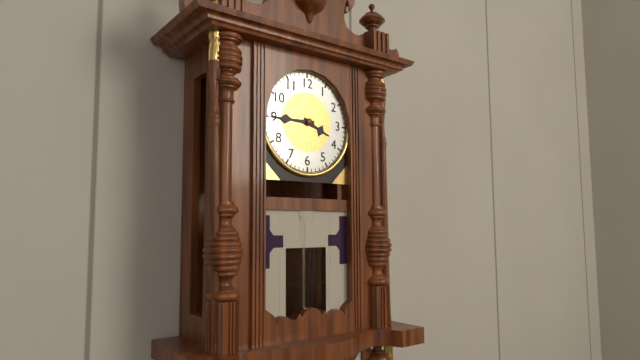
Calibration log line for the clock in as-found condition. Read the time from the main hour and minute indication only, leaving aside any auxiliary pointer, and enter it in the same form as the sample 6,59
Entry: 3,45
